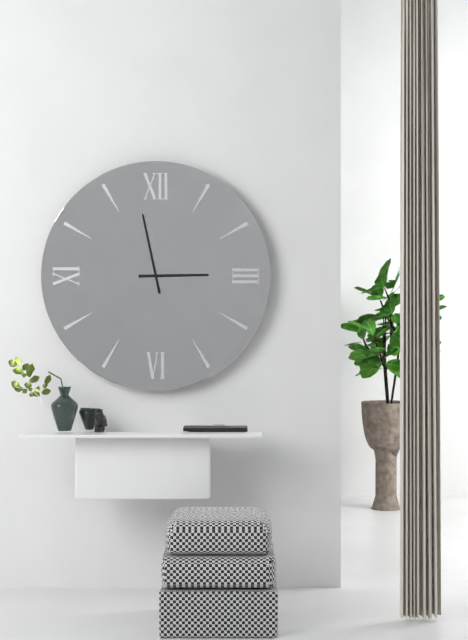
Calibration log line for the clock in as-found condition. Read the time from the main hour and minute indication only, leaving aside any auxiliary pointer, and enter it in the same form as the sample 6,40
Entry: 2,58
